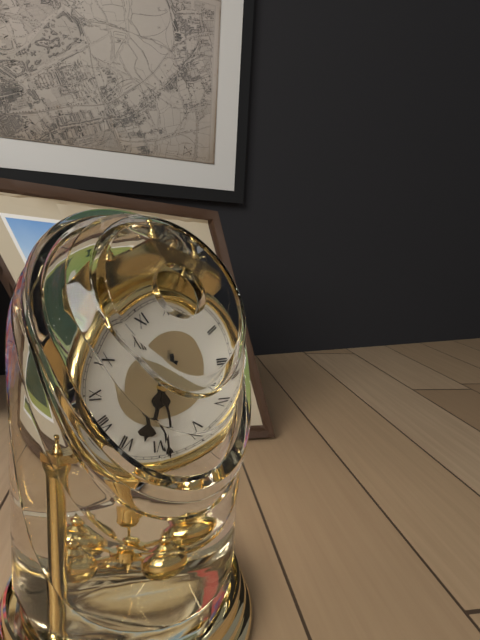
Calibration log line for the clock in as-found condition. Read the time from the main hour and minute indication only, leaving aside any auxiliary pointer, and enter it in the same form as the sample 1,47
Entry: 6,29
